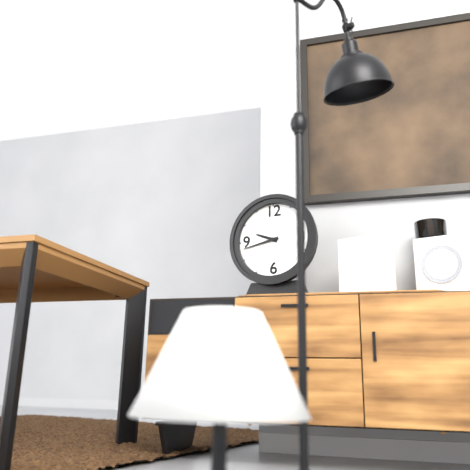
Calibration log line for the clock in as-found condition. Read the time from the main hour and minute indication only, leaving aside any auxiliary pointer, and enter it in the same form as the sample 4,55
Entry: 9,43
